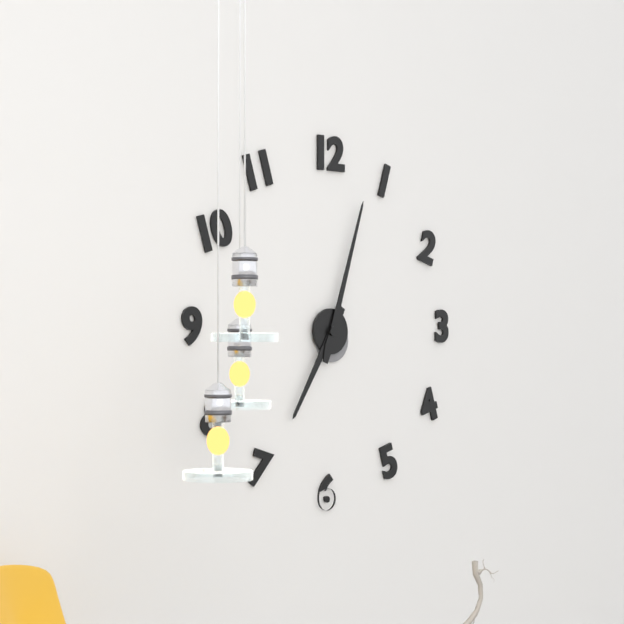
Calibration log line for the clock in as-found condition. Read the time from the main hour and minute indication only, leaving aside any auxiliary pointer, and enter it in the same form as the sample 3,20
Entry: 7,03
